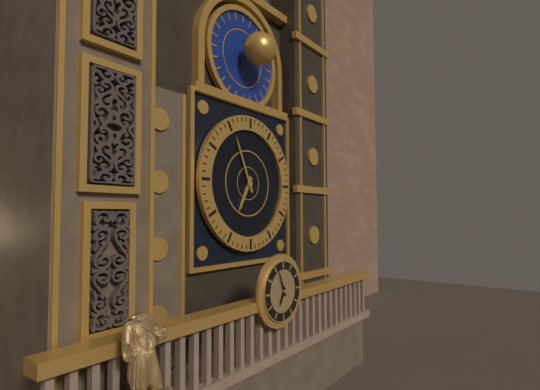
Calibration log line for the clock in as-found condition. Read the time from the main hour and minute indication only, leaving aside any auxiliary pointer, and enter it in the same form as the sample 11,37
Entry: 6,56
